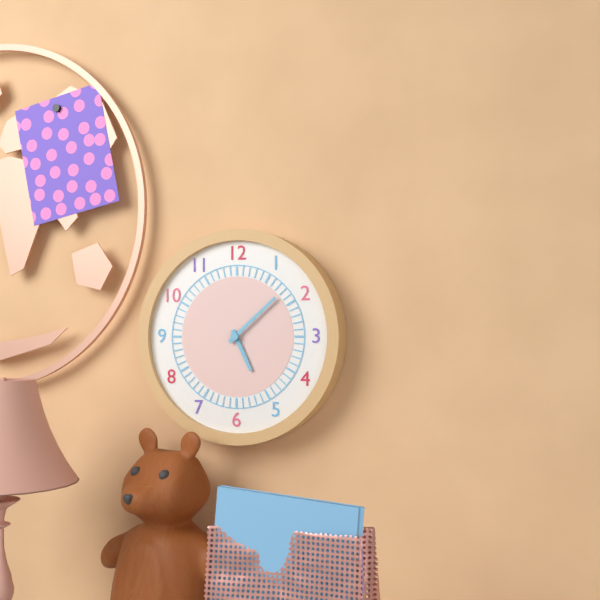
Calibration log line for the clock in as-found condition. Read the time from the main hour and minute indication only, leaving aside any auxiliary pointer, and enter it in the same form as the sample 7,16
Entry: 5,08
